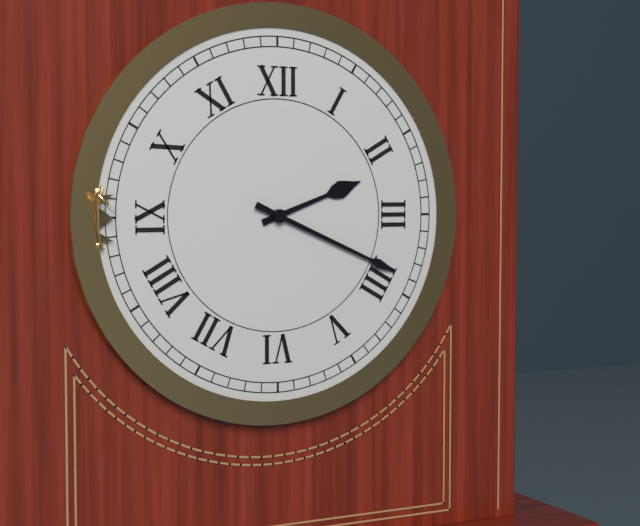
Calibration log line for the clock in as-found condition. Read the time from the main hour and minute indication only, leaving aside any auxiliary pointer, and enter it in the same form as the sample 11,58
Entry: 2,19
